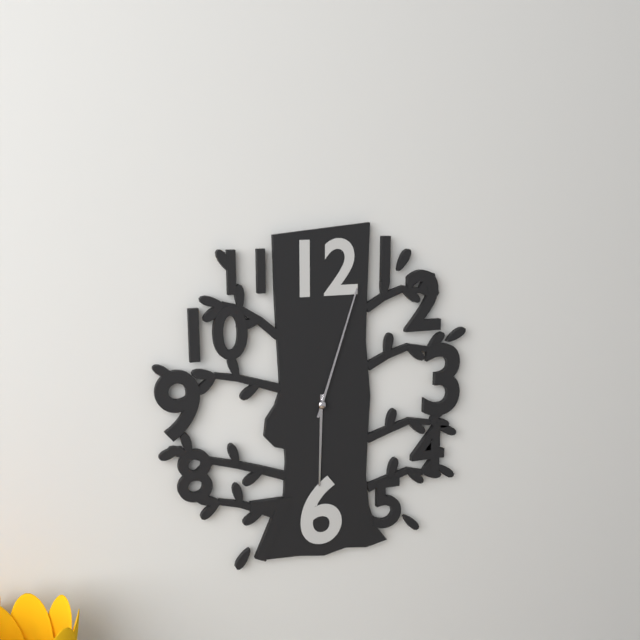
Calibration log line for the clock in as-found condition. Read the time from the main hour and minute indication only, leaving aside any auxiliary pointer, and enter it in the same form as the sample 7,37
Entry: 6,03
